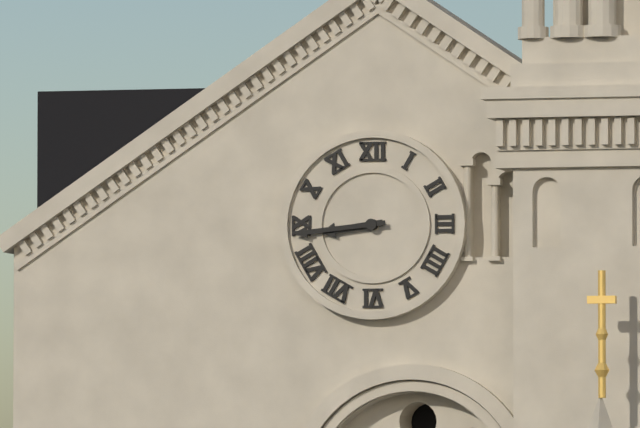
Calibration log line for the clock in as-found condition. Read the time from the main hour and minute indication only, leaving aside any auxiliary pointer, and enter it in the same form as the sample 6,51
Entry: 8,44
